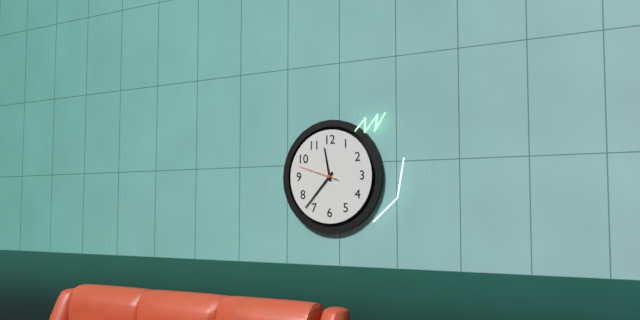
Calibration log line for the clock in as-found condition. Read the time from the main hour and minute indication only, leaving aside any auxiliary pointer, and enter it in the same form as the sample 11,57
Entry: 11,37
